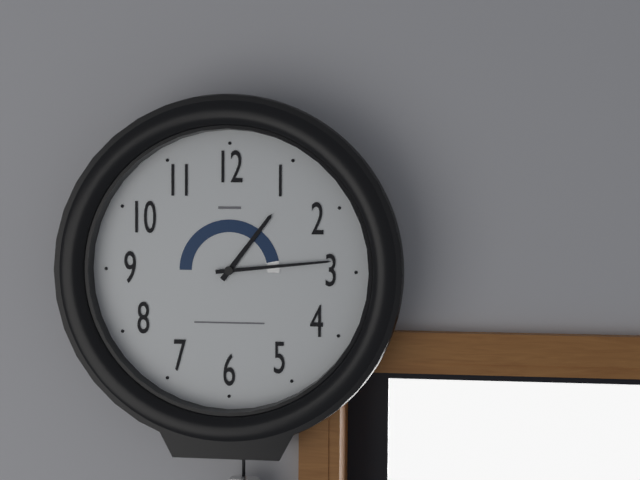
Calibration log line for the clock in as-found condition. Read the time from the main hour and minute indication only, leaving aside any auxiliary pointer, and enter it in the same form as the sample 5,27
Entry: 1,14
